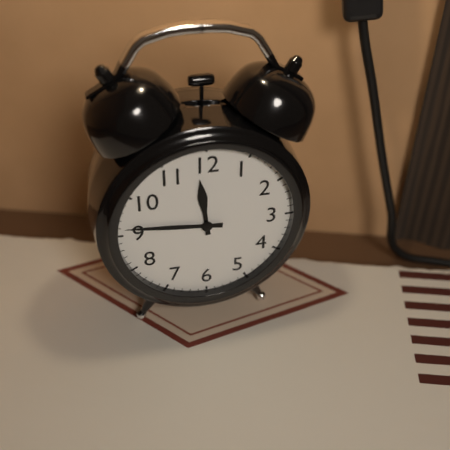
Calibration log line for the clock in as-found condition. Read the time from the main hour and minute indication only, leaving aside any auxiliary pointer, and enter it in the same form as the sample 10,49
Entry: 11,46
